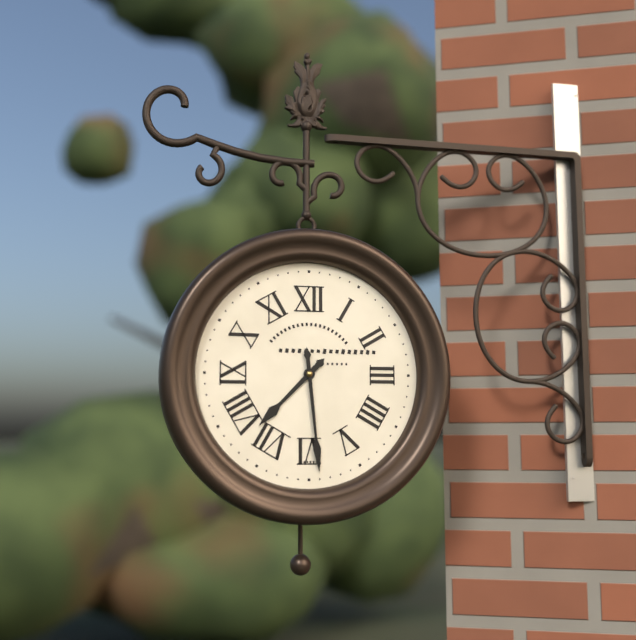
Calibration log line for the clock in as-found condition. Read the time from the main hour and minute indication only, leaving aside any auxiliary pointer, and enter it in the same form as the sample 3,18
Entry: 7,29
